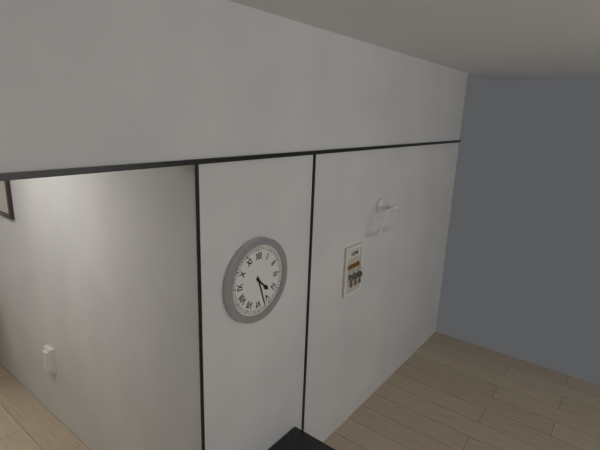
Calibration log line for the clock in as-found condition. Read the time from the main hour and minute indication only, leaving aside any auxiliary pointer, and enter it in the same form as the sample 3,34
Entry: 4,27
